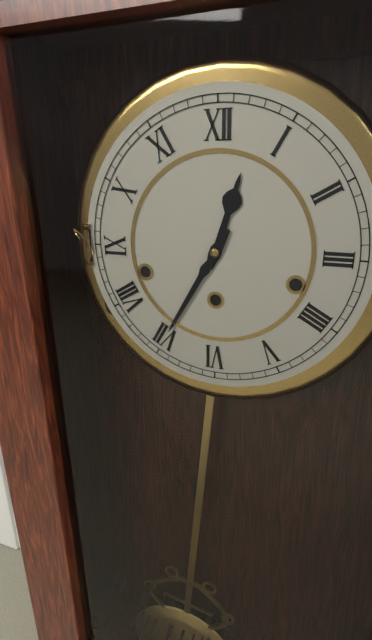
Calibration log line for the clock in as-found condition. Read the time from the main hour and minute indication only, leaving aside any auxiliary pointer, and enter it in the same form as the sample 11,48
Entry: 12,35
